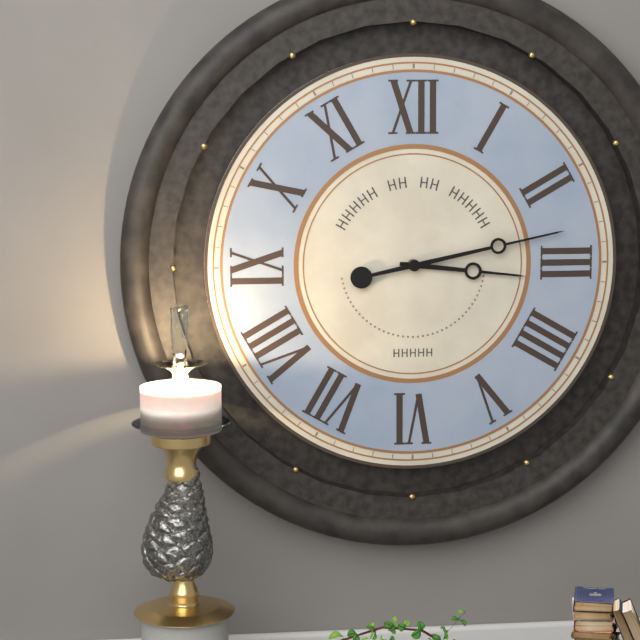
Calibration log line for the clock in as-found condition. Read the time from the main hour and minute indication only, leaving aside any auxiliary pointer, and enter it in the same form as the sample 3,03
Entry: 3,13
